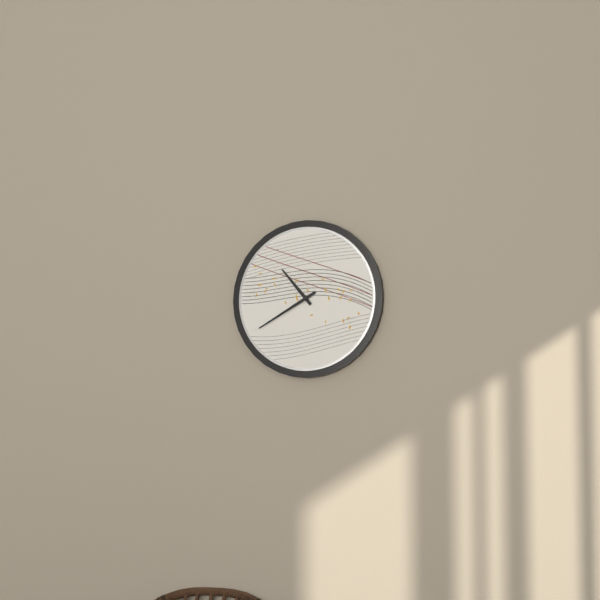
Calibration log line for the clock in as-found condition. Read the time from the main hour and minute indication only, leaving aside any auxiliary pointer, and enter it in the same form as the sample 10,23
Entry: 10,40
